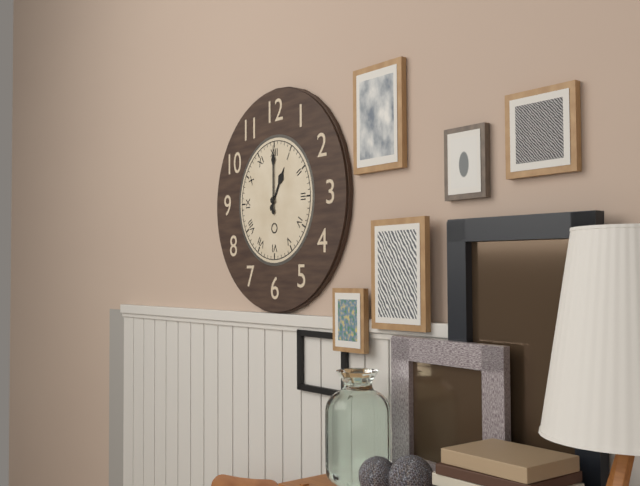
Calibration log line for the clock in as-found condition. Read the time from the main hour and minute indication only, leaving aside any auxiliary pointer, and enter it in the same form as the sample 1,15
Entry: 1,00
